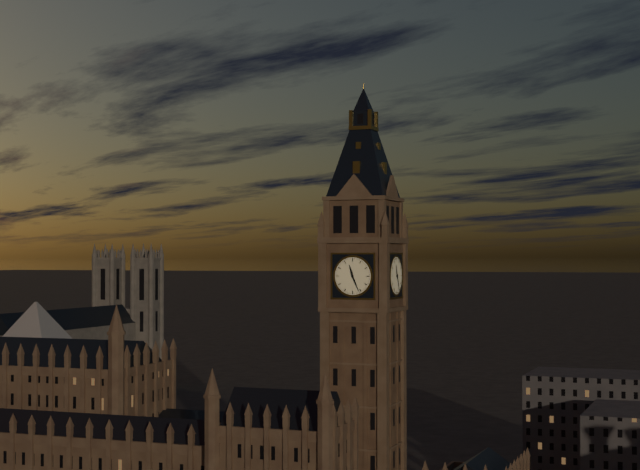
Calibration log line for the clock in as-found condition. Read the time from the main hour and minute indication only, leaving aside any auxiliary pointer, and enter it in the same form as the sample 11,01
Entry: 11,26
